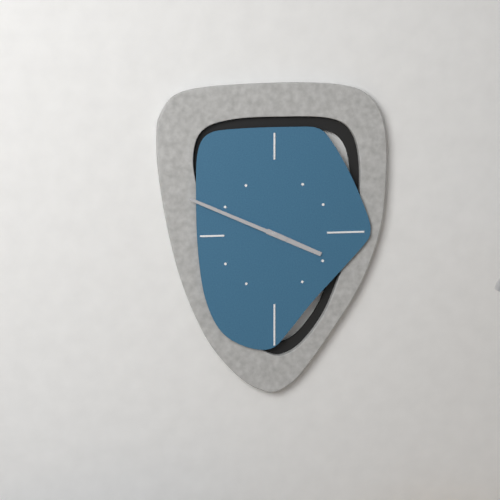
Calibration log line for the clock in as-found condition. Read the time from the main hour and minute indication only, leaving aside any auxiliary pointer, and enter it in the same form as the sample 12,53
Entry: 3,49
